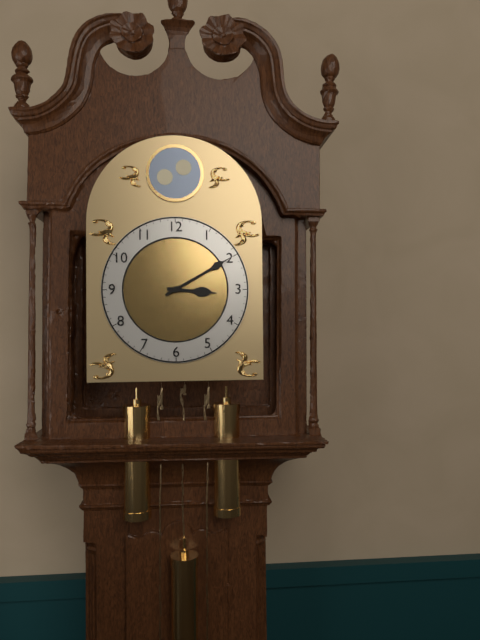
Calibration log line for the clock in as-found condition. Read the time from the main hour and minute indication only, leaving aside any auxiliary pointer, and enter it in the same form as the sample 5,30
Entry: 3,10
